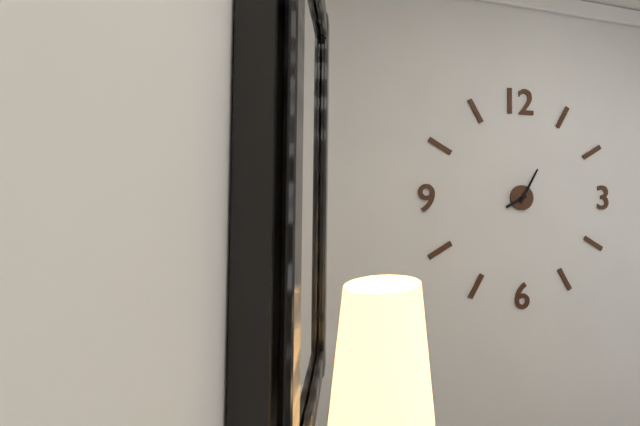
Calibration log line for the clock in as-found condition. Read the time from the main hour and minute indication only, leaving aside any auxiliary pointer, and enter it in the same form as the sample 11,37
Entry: 8,05
